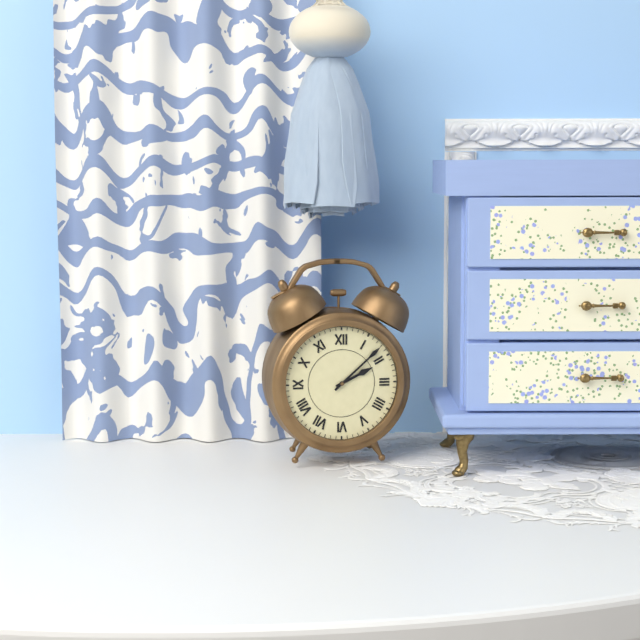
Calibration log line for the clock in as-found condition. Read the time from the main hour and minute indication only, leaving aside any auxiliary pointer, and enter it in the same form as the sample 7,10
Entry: 2,08
